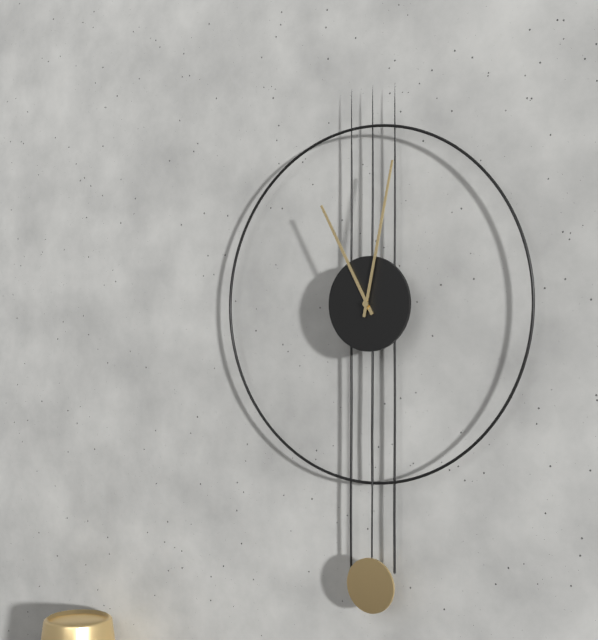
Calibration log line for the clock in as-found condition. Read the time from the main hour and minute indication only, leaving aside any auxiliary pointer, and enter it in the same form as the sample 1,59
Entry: 11,02
